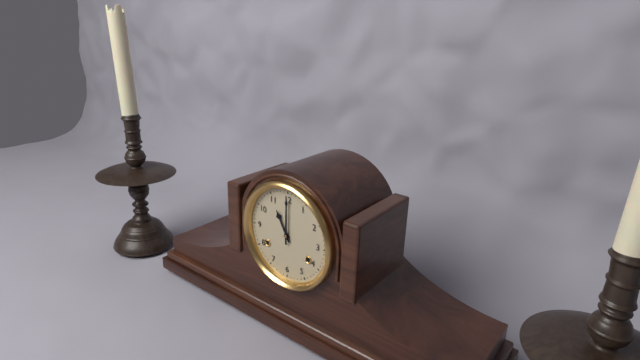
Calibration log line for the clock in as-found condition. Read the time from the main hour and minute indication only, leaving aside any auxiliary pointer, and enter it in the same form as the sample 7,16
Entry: 11,00
